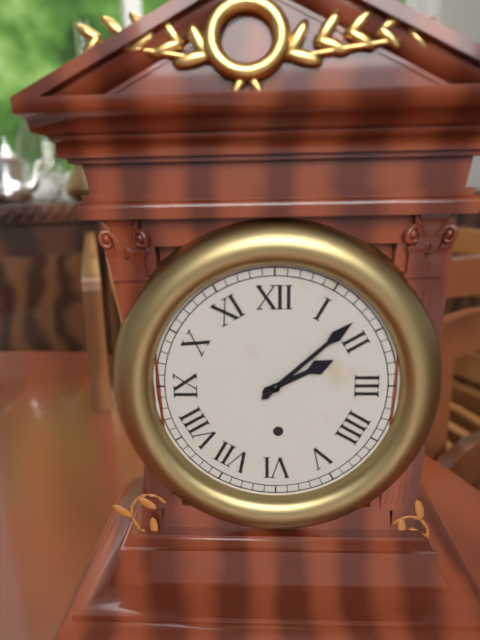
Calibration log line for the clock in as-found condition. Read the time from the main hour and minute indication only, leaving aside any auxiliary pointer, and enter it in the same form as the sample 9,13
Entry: 2,08
